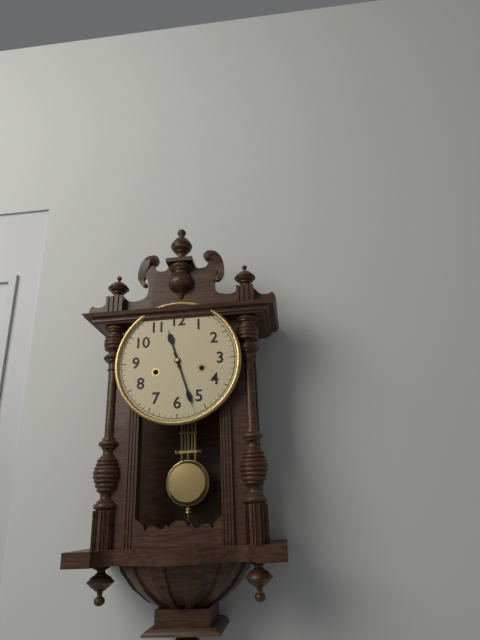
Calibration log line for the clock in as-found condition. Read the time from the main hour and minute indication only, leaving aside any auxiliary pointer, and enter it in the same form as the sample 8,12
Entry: 11,27
